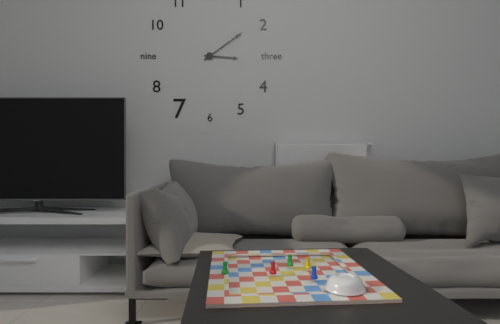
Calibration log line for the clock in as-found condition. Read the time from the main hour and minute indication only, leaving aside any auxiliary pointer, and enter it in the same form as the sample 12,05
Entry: 3,09
